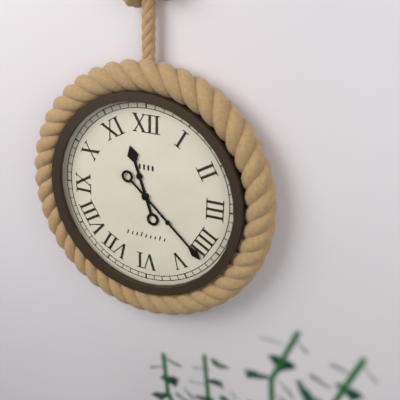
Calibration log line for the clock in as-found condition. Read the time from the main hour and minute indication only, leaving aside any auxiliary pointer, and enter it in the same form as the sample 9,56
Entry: 11,22
